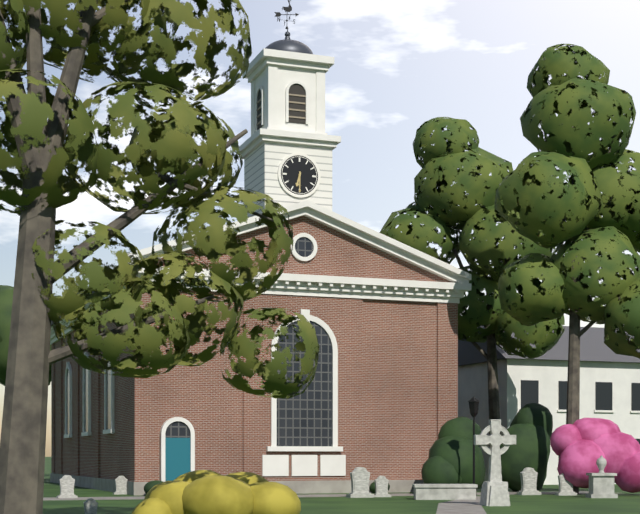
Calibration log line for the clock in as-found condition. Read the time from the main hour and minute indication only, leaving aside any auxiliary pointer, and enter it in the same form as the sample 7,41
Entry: 6,30
